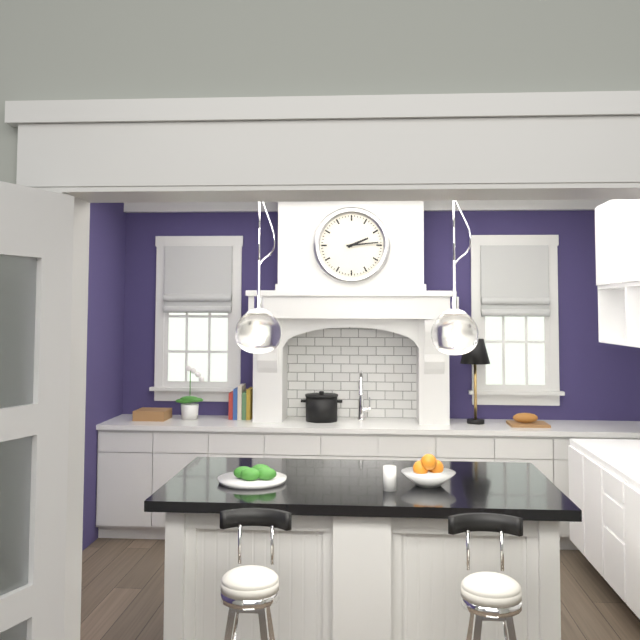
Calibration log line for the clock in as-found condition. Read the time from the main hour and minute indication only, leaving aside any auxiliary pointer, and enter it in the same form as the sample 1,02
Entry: 2,14
